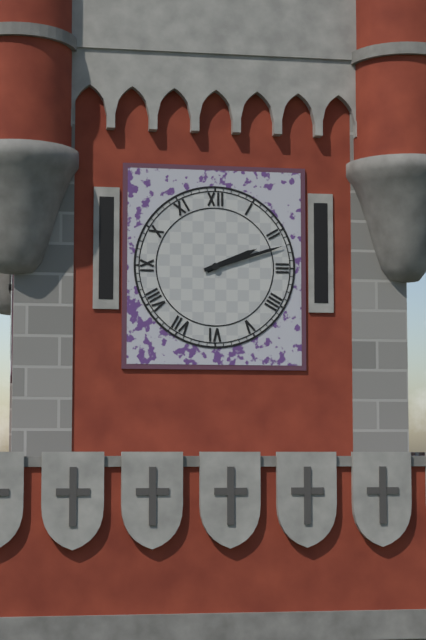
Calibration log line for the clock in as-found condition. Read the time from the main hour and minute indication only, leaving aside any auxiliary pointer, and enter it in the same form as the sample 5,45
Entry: 2,12
